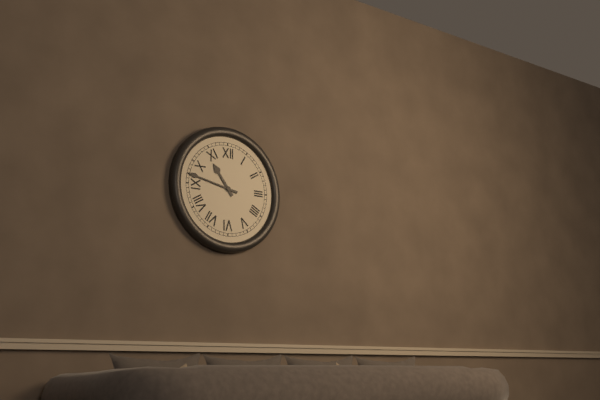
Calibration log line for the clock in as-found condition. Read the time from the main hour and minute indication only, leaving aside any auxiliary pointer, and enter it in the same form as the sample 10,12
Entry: 10,47
